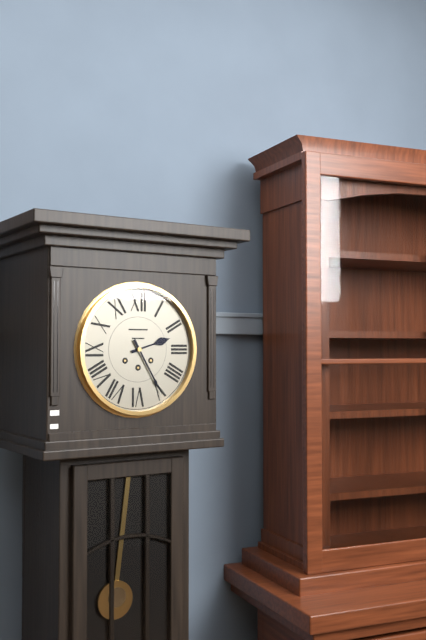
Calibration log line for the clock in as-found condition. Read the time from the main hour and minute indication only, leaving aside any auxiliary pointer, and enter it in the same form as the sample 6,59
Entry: 2,25
